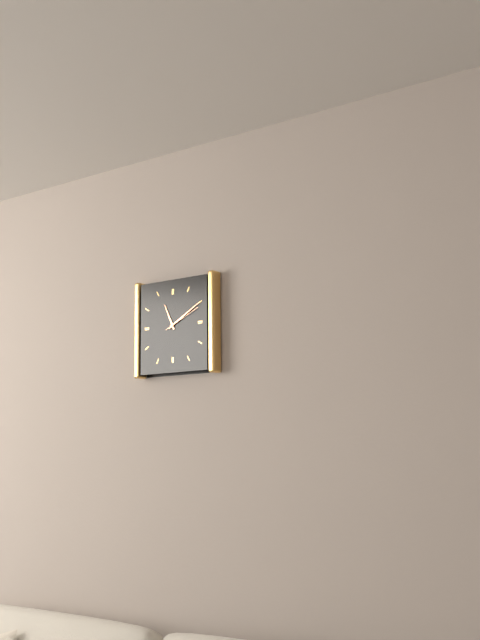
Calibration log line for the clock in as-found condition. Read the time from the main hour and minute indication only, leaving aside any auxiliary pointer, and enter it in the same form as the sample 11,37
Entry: 11,10
